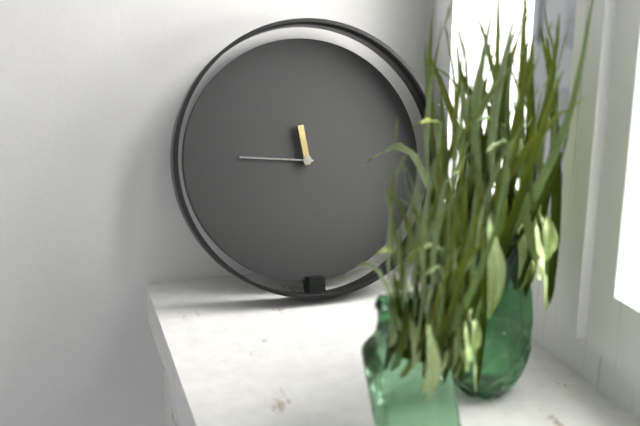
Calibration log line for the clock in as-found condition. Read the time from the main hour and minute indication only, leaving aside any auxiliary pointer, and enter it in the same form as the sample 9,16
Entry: 11,46
